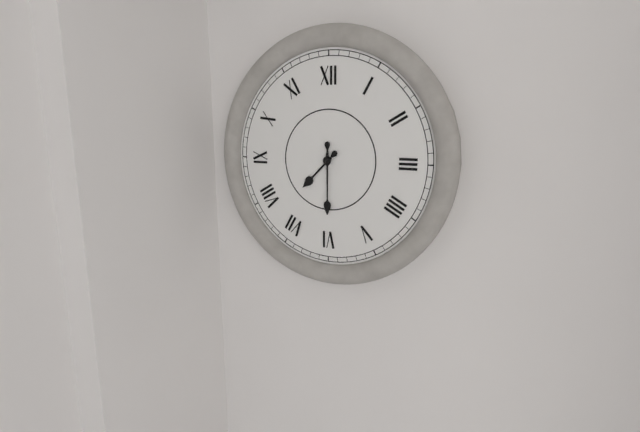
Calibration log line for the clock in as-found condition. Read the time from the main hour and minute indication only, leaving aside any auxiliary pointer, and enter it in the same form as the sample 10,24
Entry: 7,30
